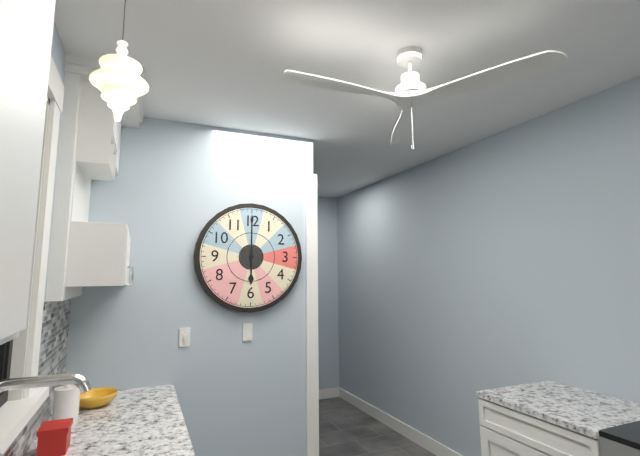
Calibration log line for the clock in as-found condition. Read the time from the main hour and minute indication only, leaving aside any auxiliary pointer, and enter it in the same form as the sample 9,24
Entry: 6,00
